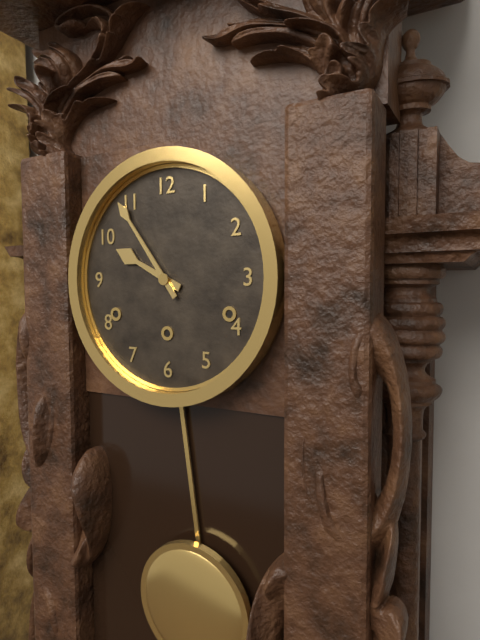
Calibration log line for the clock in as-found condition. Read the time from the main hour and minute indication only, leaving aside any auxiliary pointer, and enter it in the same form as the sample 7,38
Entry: 9,54
